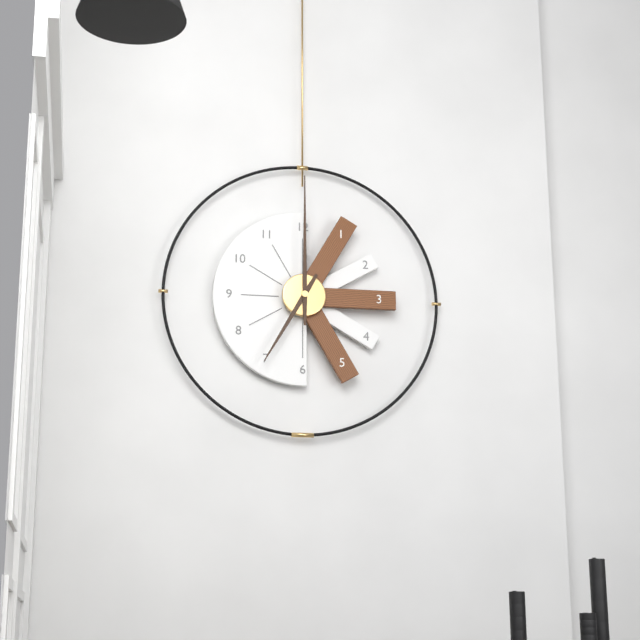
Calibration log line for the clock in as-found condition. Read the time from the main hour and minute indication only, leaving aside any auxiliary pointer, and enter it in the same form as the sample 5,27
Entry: 7,00
